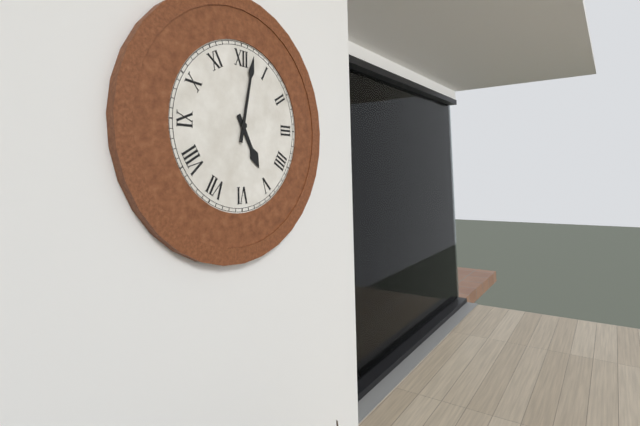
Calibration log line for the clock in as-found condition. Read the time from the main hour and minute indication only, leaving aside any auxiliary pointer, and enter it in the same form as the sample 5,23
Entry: 5,02
